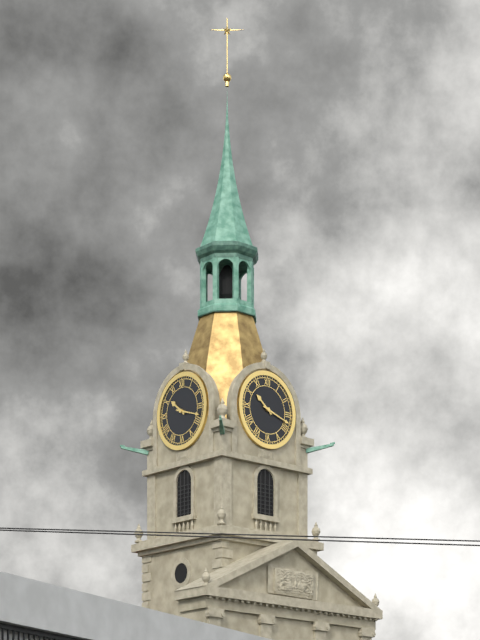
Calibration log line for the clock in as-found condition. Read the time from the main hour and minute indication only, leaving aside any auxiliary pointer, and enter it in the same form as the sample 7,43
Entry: 10,18
